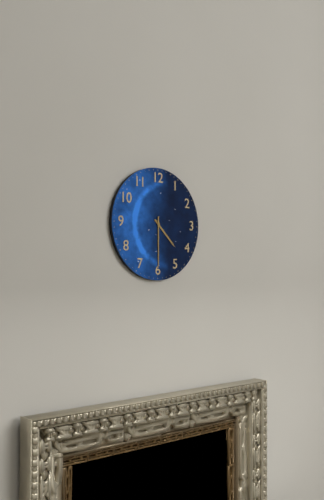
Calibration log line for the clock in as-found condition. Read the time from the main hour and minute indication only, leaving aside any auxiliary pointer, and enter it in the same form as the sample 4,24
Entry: 4,30
